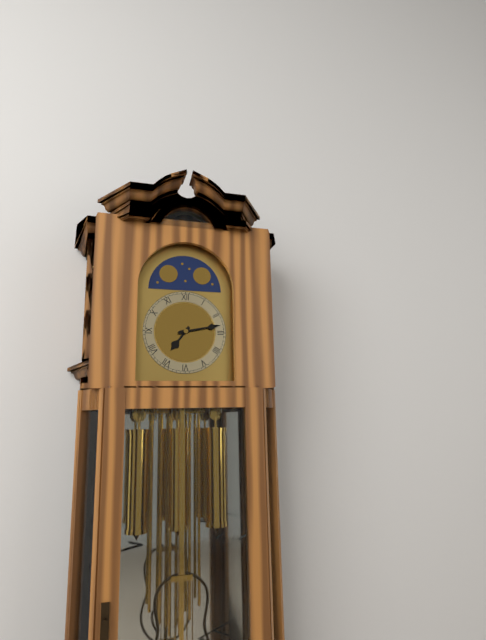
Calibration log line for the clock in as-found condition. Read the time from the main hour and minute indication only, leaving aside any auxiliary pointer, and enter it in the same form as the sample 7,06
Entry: 7,13
